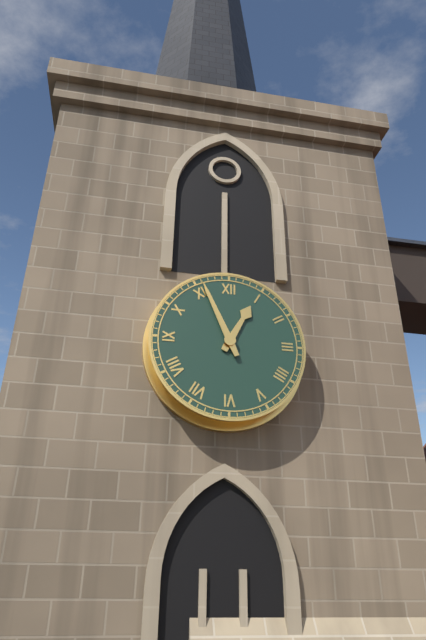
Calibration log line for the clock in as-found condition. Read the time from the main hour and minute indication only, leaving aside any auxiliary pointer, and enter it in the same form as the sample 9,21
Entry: 12,56
